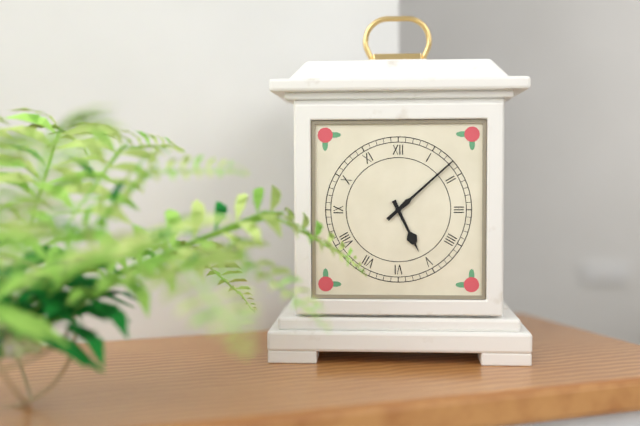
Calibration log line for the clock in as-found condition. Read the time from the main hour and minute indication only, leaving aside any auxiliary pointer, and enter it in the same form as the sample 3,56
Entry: 5,08
